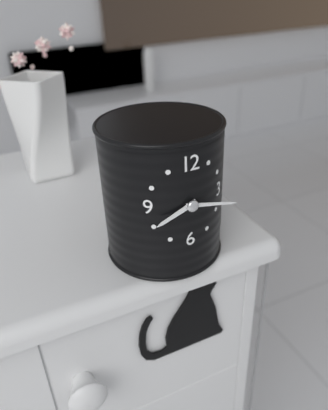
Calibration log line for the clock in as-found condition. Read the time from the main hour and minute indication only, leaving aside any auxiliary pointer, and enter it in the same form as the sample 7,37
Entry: 8,17
